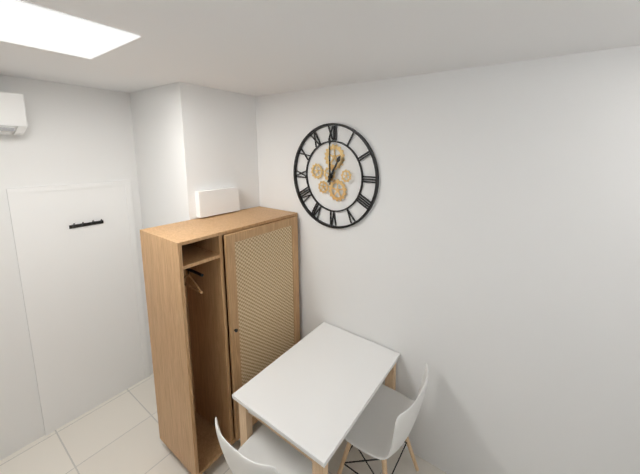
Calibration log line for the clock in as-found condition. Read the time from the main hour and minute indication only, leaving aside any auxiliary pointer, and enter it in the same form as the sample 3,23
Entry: 1,00
